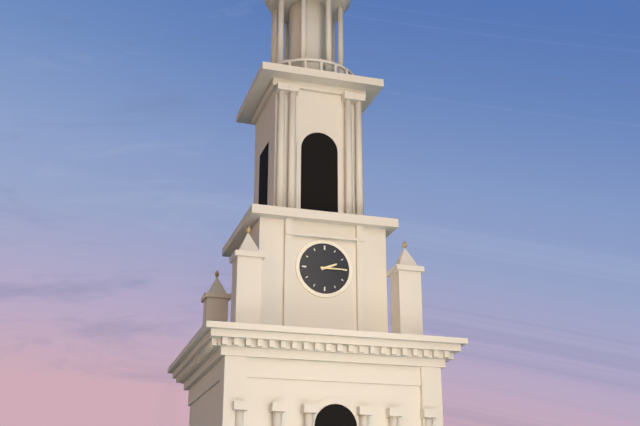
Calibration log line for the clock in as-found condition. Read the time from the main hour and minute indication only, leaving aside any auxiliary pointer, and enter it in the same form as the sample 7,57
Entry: 2,15
